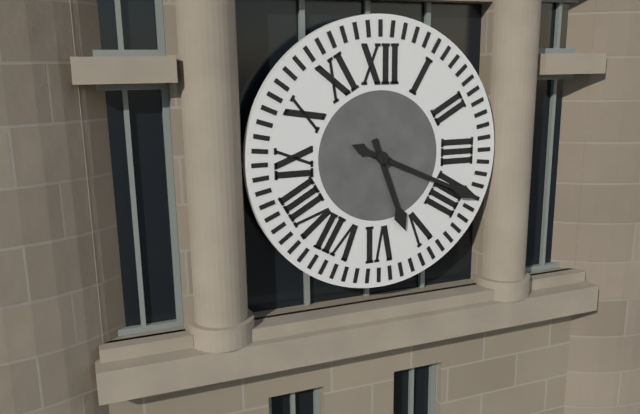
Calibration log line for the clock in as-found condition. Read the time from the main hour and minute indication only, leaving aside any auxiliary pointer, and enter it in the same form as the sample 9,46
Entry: 5,19
